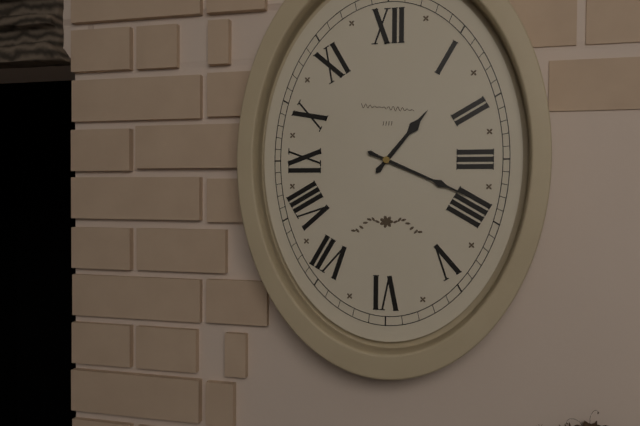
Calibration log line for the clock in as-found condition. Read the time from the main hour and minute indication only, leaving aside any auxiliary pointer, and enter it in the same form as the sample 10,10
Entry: 1,19
